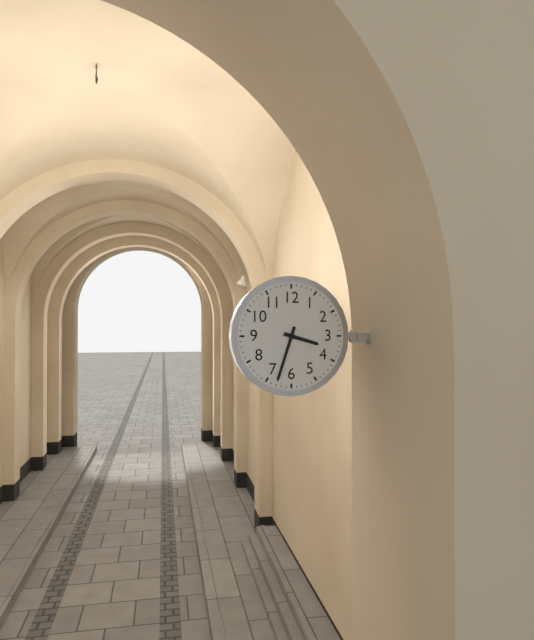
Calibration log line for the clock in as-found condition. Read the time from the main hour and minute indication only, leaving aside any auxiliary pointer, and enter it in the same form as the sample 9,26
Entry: 3,33
